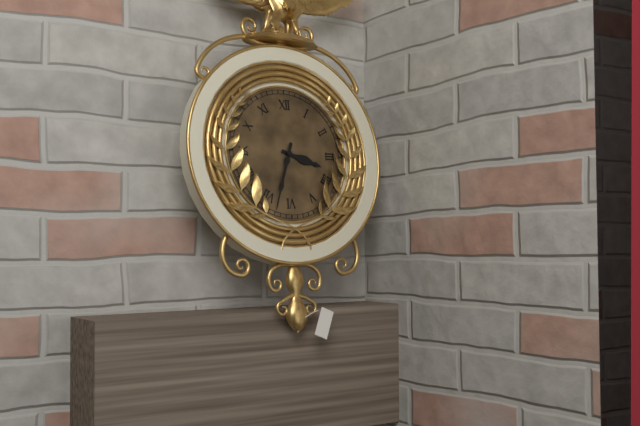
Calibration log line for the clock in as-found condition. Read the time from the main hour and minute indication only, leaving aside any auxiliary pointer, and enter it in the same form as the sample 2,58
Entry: 3,33
